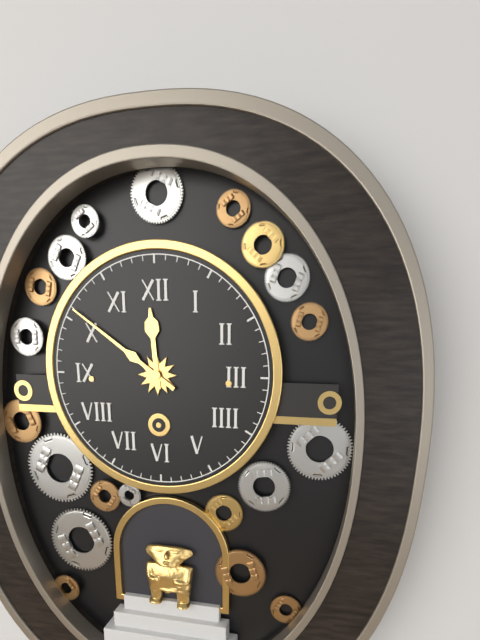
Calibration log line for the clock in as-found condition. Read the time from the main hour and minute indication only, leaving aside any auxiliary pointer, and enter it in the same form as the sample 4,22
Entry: 11,51
